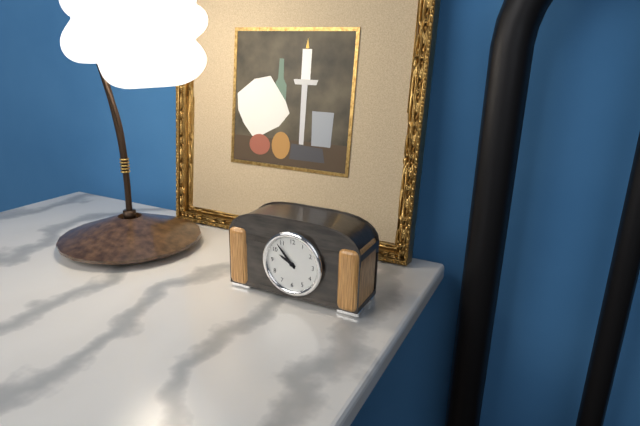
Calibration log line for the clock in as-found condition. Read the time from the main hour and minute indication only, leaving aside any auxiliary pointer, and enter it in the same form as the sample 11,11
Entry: 9,53
